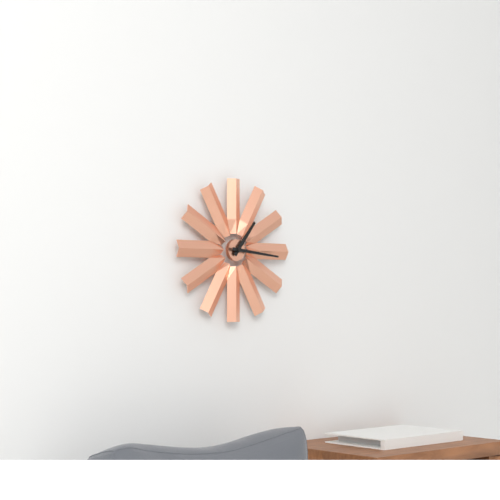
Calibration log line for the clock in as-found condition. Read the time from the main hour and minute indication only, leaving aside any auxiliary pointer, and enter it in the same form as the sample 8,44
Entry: 1,16
